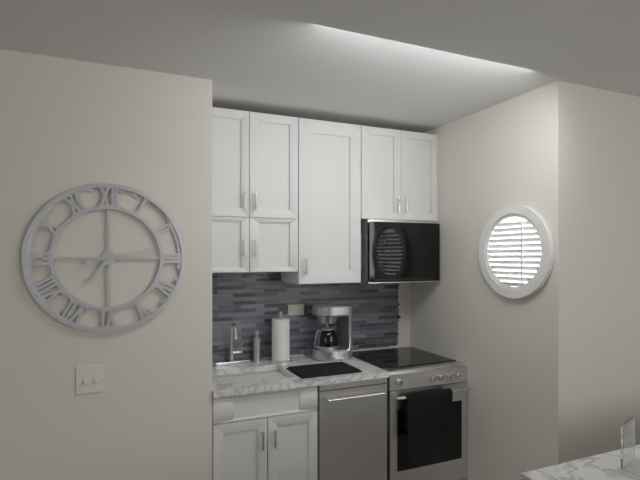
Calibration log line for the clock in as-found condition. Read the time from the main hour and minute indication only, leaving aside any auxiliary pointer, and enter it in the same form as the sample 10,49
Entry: 7,13
